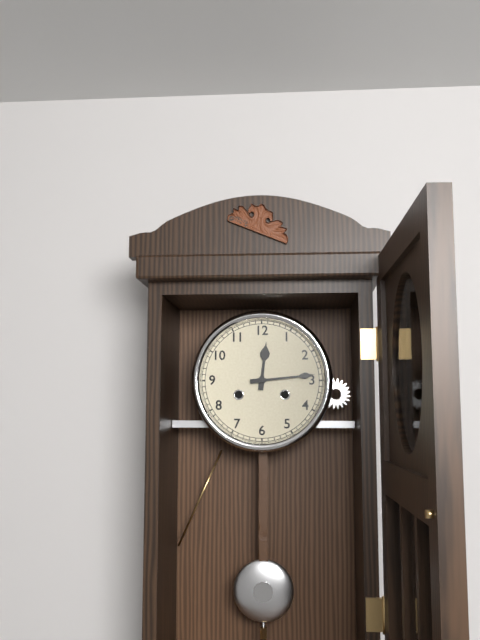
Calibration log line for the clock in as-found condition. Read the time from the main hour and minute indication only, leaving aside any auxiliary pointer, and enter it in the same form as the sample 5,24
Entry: 12,14
